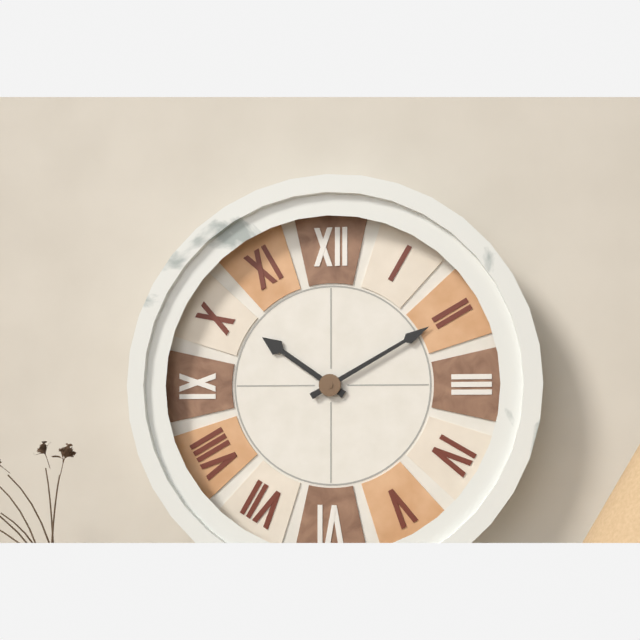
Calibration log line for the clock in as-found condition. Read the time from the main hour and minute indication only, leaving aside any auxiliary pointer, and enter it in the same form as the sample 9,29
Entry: 10,10
